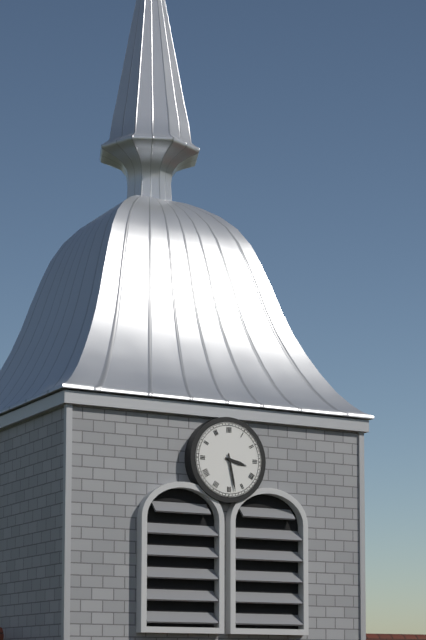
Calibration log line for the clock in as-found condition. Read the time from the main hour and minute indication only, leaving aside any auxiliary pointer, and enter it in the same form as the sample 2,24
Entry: 3,28
